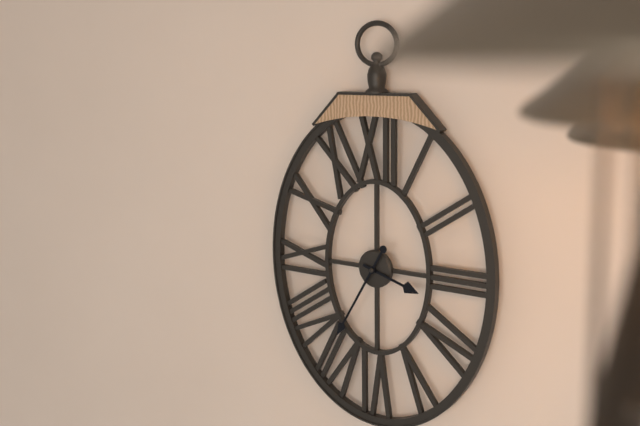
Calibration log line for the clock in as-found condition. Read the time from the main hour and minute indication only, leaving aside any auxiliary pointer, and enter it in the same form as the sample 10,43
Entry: 3,35
